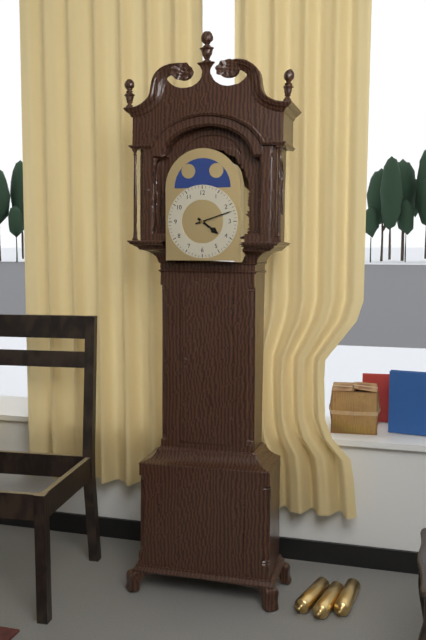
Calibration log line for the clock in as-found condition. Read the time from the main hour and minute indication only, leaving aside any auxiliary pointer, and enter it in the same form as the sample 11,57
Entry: 4,12
